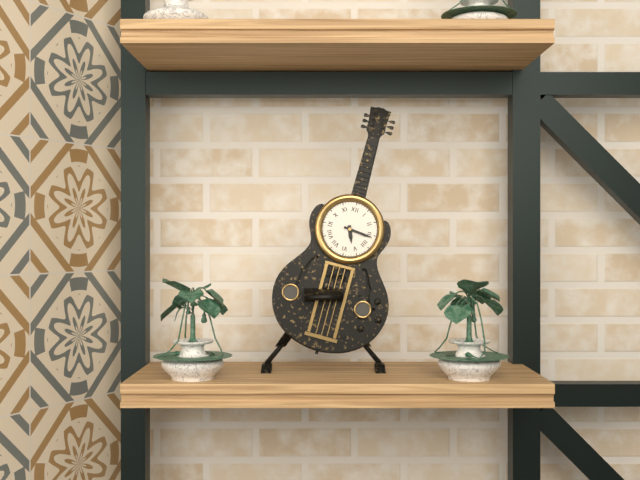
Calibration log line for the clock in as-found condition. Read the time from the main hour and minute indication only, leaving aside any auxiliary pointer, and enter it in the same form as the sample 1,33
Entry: 5,16
